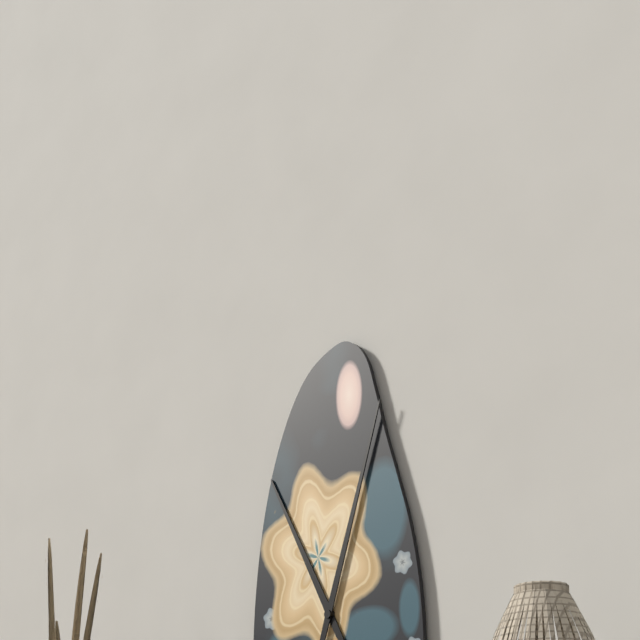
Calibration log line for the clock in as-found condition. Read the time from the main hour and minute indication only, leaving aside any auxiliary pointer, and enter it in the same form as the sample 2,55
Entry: 11,03
